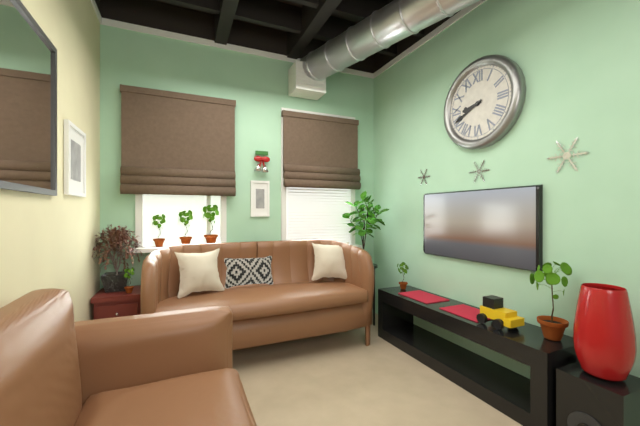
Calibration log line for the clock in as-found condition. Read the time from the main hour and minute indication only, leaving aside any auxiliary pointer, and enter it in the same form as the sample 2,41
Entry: 8,41
